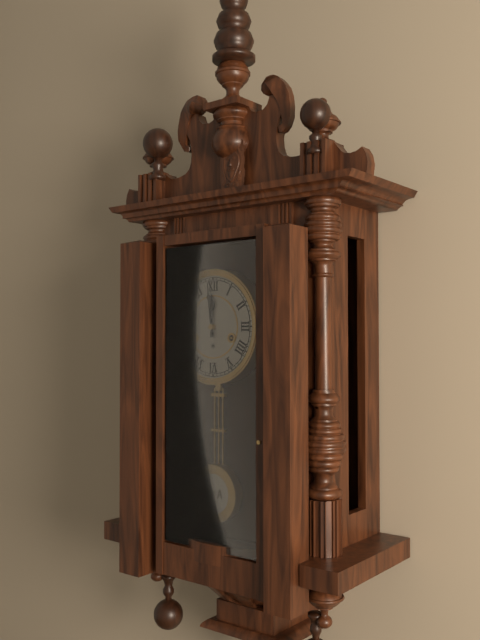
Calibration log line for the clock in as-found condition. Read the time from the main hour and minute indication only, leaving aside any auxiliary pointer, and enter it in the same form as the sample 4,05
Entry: 11,59
